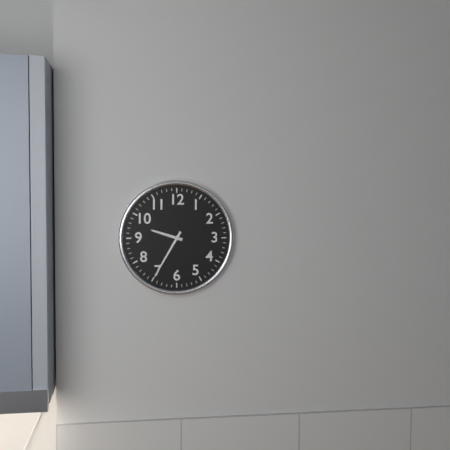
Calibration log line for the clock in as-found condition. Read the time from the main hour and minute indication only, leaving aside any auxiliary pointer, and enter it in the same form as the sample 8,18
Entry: 9,35
